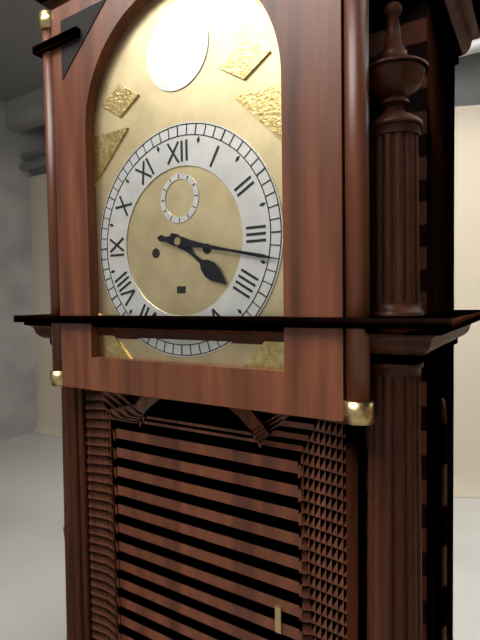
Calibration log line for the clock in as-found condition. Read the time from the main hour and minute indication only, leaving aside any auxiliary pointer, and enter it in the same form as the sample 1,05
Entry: 4,17
